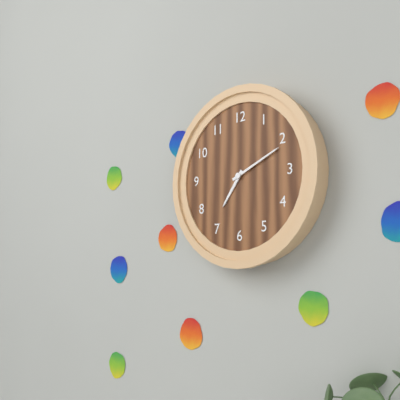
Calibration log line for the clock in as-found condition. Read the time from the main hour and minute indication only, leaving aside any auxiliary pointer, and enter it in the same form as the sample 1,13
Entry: 7,11
